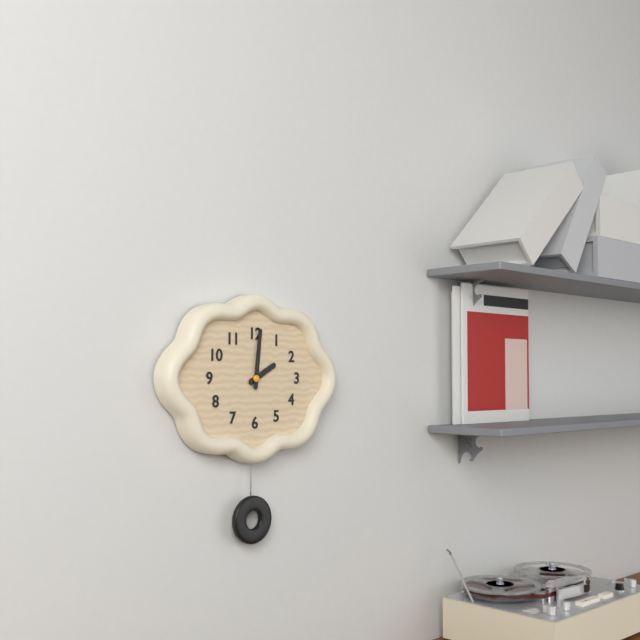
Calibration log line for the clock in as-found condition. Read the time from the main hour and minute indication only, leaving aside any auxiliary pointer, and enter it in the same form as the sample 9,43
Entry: 2,01
